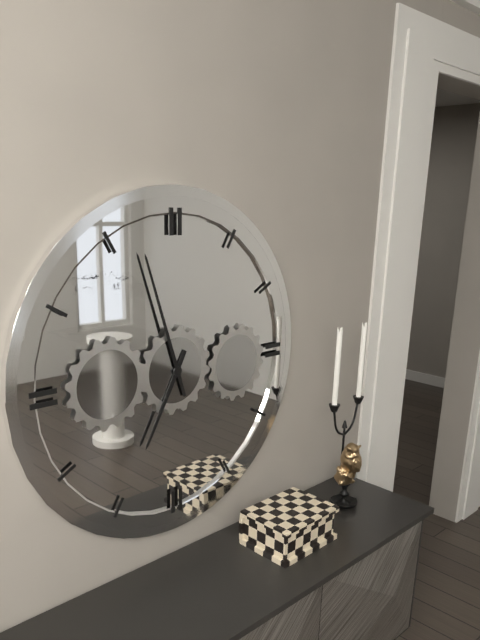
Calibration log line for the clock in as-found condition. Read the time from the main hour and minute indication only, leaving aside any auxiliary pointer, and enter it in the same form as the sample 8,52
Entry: 6,57
